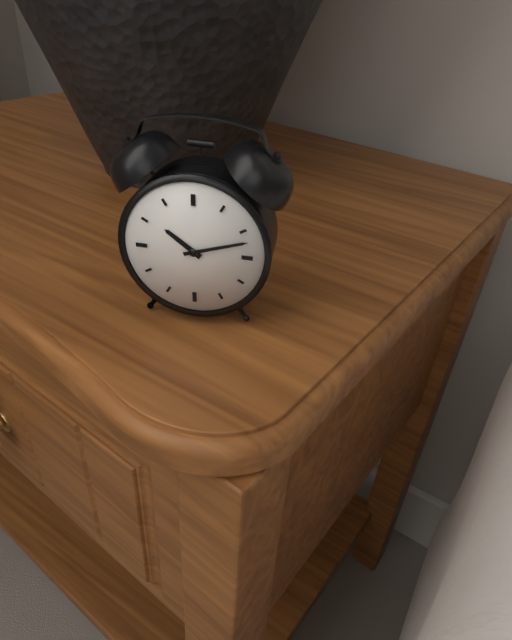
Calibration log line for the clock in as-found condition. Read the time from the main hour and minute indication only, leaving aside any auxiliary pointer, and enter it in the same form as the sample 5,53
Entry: 10,12
